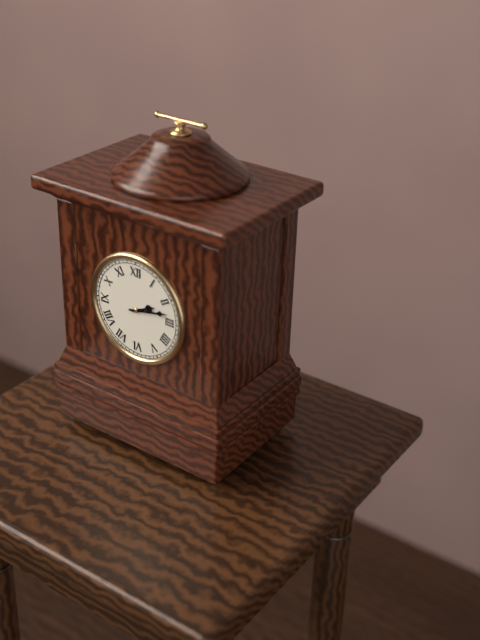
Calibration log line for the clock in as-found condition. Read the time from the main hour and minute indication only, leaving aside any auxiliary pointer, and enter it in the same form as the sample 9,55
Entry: 2,13
